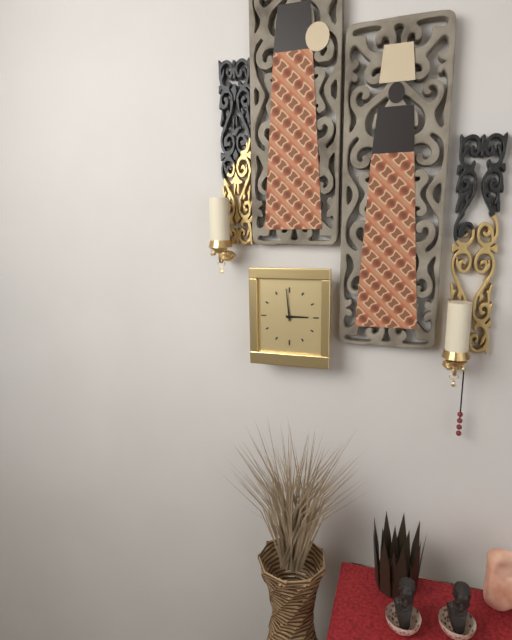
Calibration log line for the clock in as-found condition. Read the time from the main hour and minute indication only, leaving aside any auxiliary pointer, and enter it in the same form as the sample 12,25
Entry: 2,59
